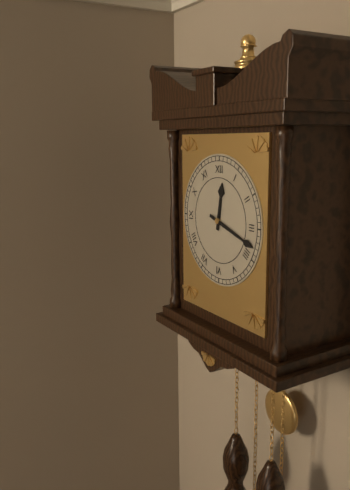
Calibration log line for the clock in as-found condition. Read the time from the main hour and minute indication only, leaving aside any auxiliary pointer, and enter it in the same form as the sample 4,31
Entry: 12,18
